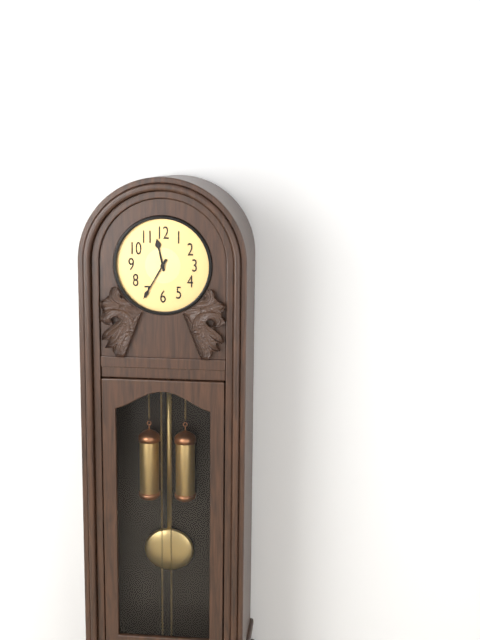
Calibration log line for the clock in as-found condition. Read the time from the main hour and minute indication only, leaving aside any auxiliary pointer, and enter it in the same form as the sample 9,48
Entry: 11,35
